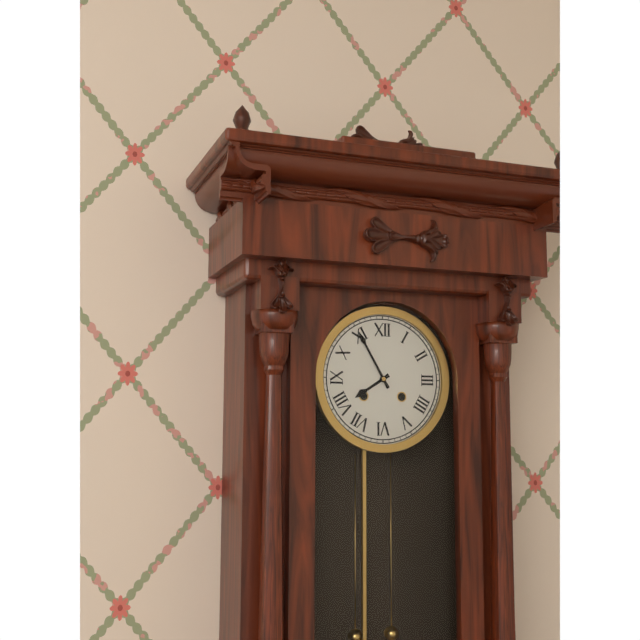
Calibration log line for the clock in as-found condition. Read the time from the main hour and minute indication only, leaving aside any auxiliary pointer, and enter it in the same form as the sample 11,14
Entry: 7,55
